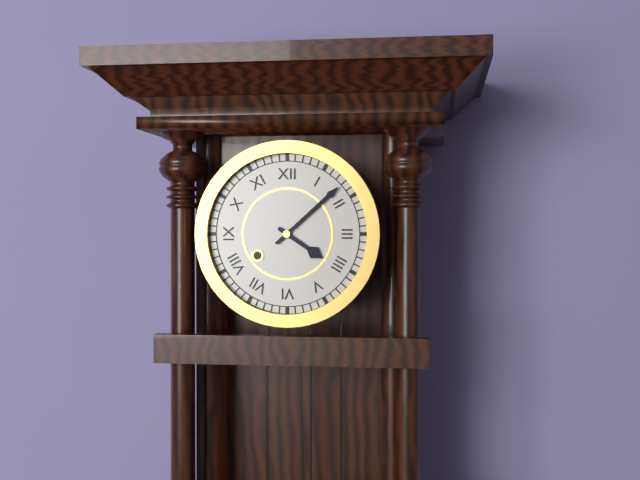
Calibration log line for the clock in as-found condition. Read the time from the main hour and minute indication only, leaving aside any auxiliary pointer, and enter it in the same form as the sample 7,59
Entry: 4,08
